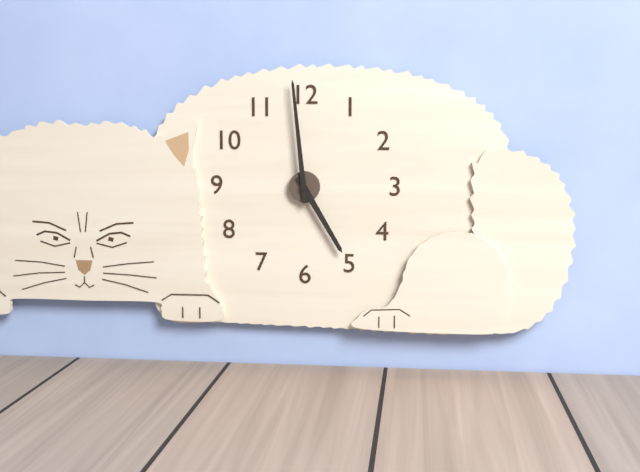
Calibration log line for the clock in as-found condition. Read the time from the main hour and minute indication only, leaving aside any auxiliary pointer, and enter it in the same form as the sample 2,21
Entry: 4,59
